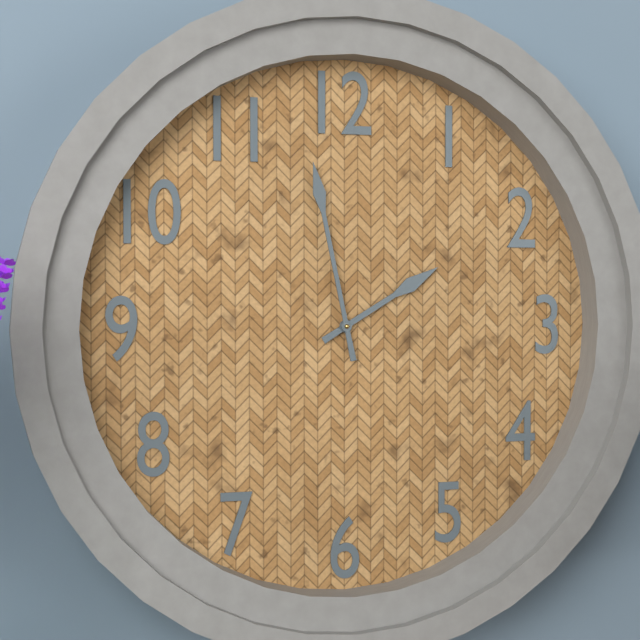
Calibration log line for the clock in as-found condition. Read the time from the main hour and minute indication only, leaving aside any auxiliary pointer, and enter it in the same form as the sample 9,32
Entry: 1,58
